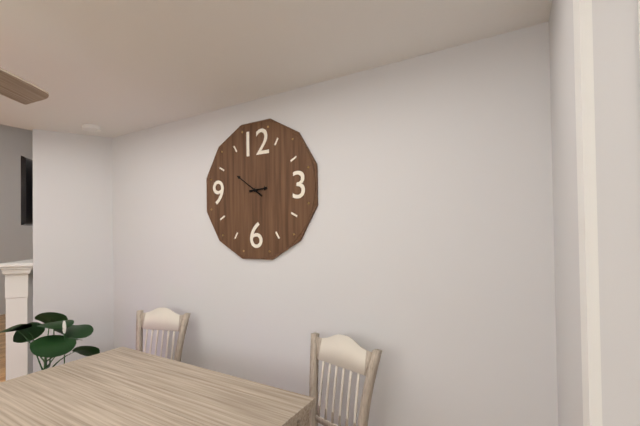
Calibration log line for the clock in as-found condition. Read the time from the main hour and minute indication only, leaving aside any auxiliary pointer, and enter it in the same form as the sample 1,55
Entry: 2,51
